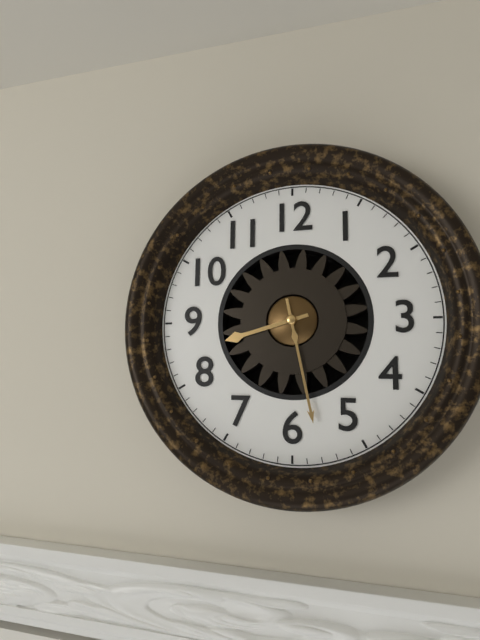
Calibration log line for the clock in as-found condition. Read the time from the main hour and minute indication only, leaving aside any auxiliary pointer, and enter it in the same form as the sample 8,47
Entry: 8,28
